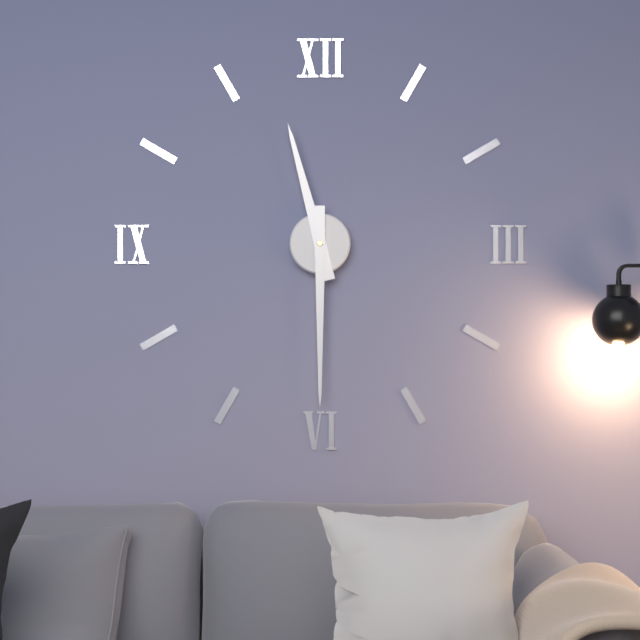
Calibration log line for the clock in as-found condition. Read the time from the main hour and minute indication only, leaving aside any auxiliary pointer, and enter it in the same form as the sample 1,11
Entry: 11,30
